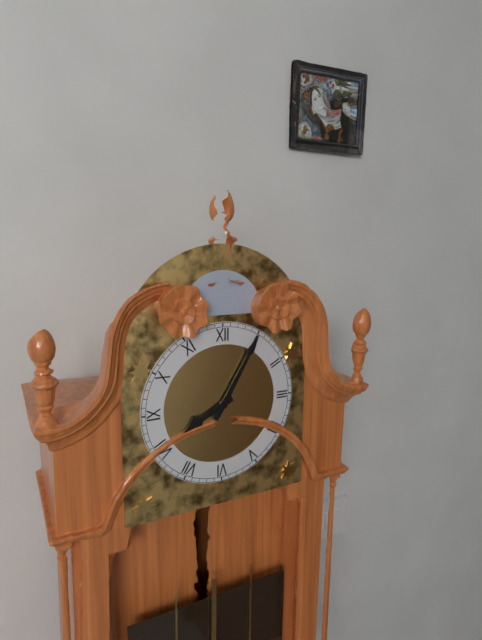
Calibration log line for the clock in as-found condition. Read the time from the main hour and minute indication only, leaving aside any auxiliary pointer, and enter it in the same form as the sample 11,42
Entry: 8,05
